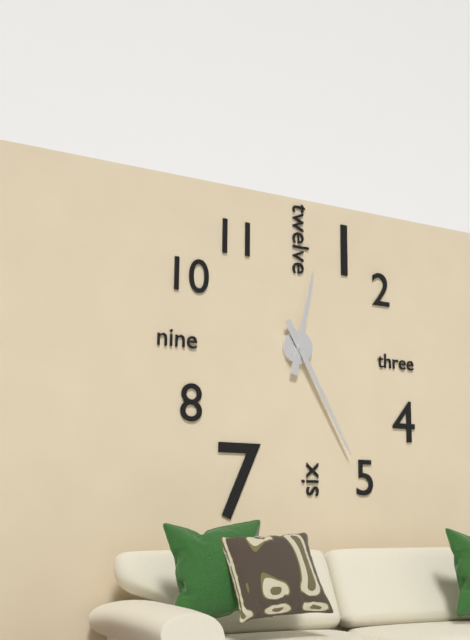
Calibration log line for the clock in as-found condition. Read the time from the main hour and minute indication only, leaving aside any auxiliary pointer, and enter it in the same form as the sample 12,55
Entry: 12,25
